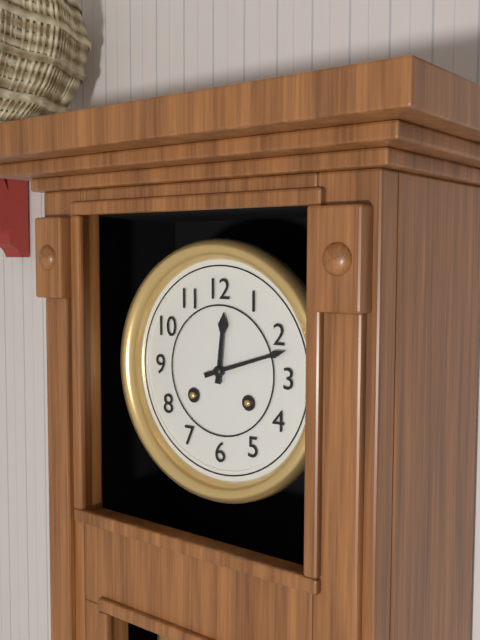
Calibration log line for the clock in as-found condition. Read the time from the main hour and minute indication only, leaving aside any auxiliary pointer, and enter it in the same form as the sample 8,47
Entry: 12,12
